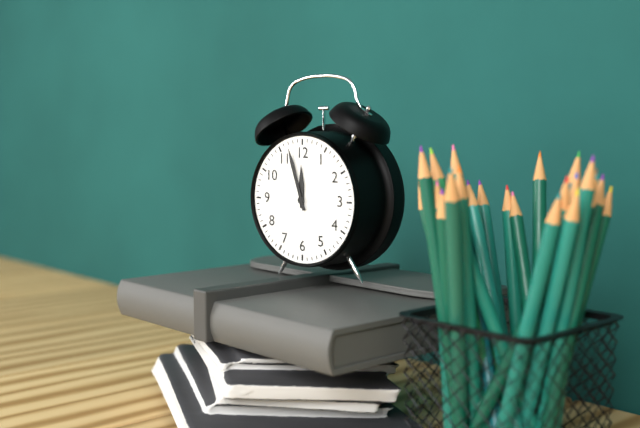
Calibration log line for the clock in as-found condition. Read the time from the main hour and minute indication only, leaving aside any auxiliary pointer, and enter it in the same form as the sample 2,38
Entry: 11,57
